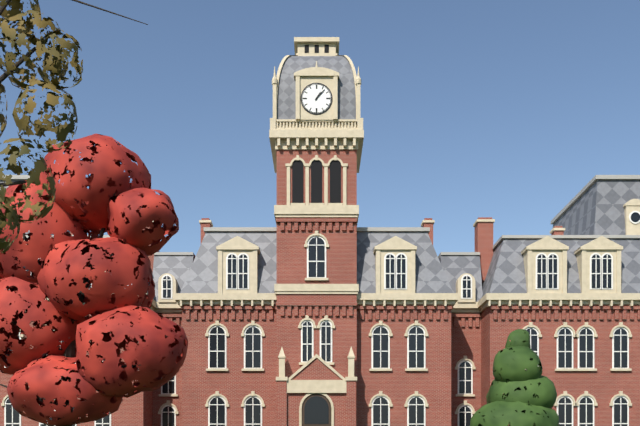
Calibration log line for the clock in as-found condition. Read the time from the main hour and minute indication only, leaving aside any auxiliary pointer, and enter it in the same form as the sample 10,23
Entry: 1,07
